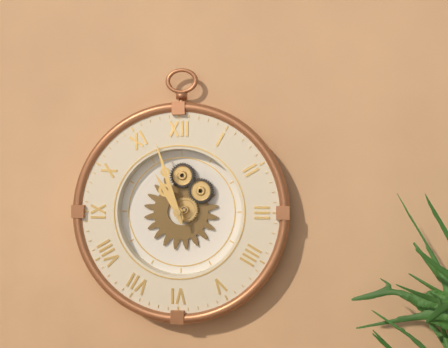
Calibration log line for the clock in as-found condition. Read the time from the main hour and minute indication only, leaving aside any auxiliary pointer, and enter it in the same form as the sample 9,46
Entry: 10,57
